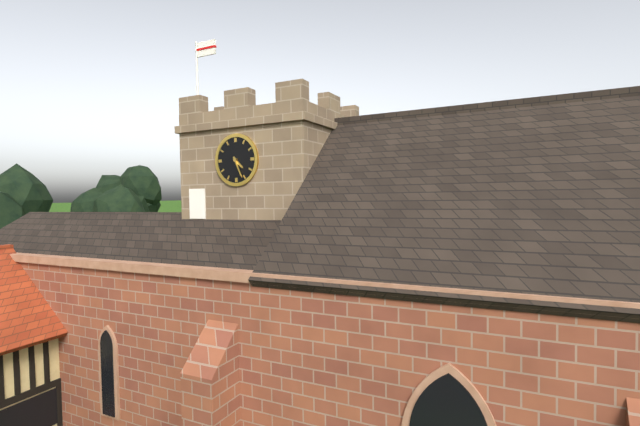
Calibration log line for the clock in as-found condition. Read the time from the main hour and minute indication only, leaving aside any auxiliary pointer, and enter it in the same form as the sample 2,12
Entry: 4,26
